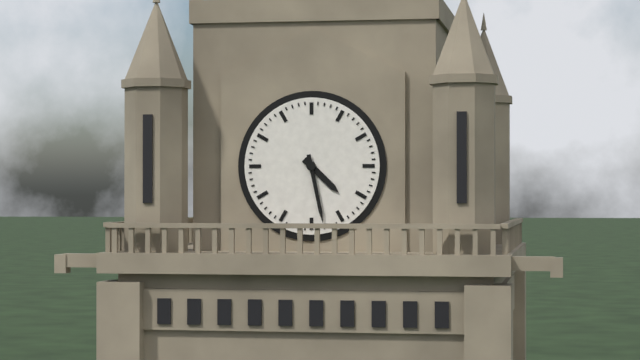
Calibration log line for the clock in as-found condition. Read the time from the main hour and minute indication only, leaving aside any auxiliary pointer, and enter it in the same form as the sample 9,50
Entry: 4,28
